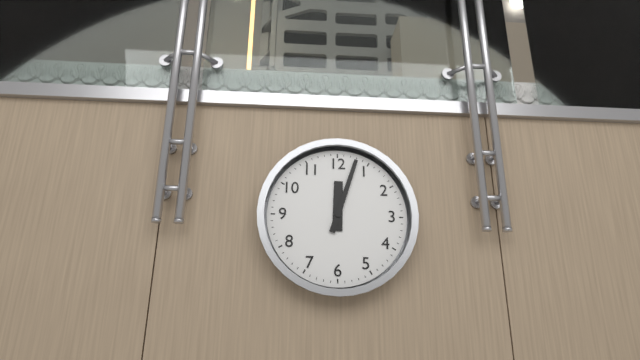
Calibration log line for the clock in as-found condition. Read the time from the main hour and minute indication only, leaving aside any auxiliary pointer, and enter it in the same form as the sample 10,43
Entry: 12,03
